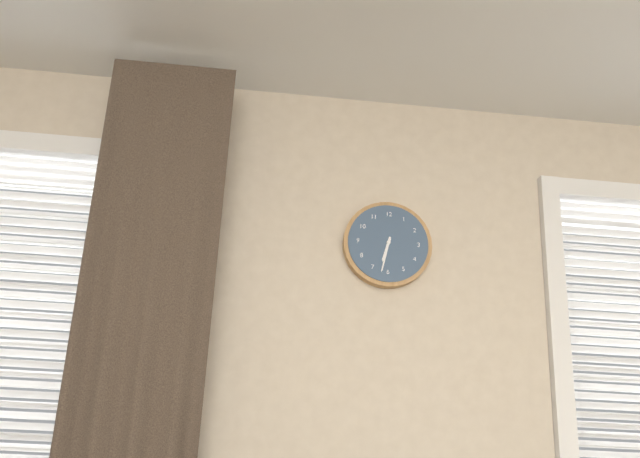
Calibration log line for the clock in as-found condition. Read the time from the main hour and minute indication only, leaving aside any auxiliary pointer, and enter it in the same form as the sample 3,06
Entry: 6,32
